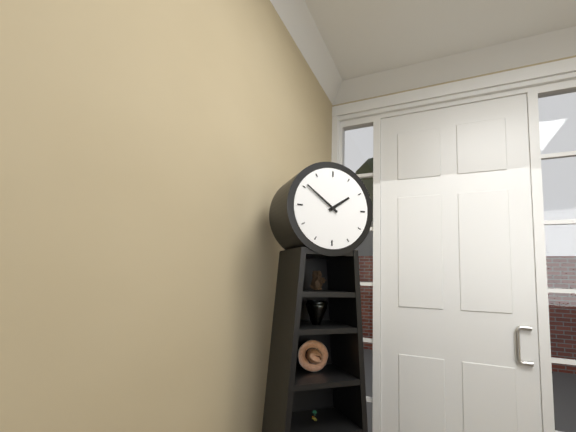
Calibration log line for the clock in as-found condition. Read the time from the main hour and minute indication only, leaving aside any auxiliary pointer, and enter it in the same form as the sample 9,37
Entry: 1,51
